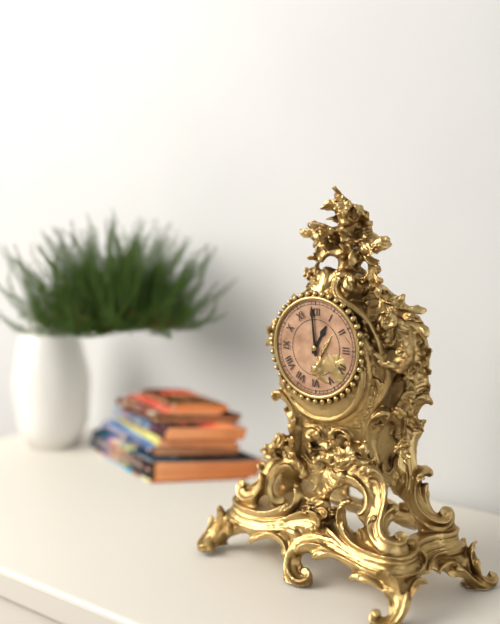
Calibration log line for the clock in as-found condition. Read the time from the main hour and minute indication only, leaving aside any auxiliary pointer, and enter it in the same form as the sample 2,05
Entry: 12,59
